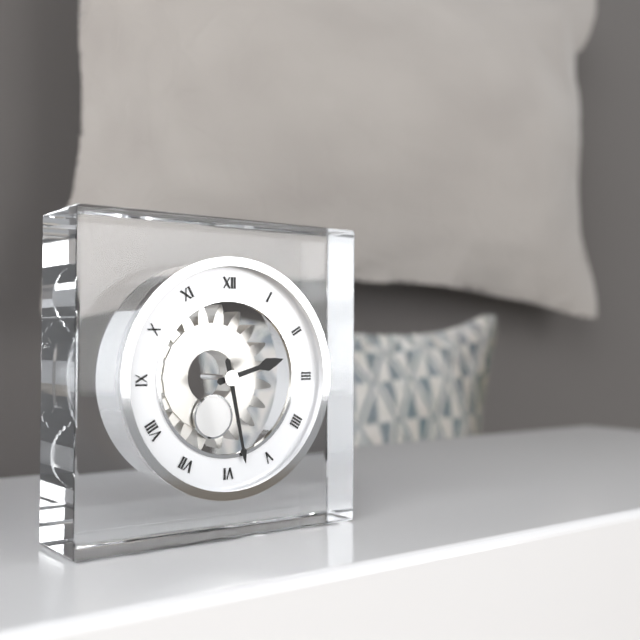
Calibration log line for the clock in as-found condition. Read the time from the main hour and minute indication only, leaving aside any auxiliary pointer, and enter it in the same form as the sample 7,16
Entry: 2,28
